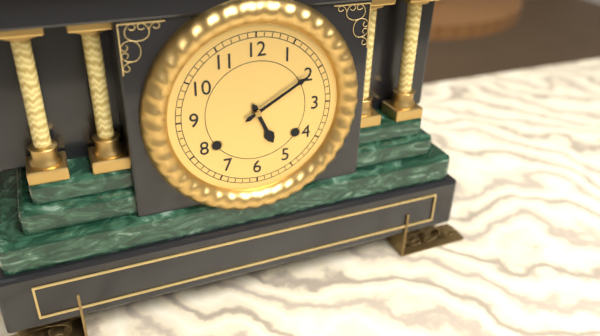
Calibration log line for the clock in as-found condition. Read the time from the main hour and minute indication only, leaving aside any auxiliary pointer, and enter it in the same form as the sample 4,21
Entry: 5,10
